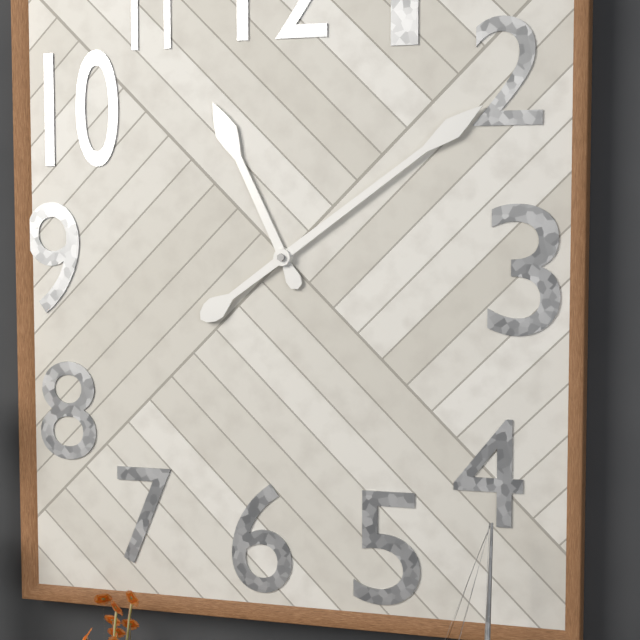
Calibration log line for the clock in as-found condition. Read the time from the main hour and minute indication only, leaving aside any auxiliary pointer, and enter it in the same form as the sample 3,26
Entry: 11,09
